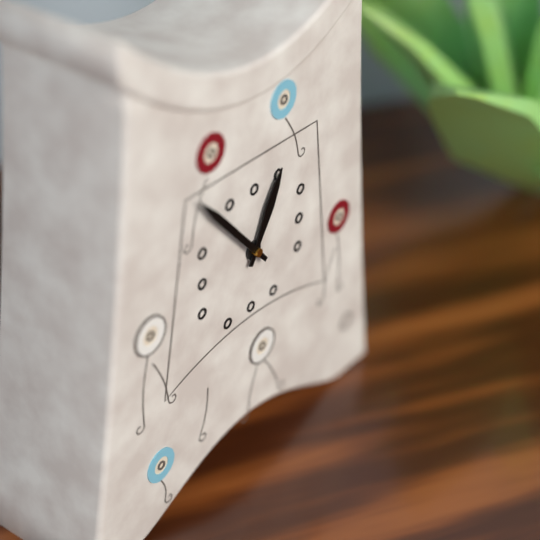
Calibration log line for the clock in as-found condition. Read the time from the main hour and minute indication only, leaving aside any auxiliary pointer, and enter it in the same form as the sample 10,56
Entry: 12,53
